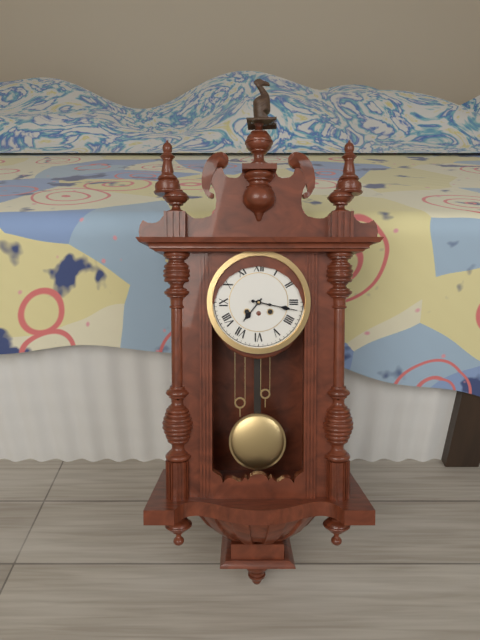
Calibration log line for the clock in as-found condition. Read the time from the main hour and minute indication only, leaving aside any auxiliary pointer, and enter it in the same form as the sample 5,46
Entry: 7,17
